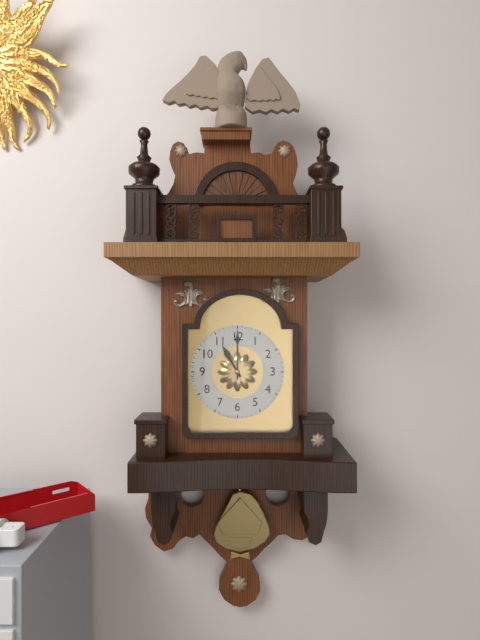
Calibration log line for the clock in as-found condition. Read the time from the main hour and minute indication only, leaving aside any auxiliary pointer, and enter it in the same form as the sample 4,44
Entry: 11,00
